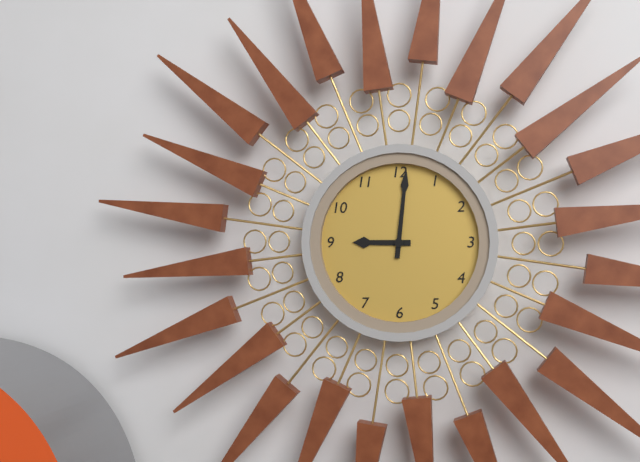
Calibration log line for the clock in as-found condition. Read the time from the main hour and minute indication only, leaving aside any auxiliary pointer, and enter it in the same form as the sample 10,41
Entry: 9,01
